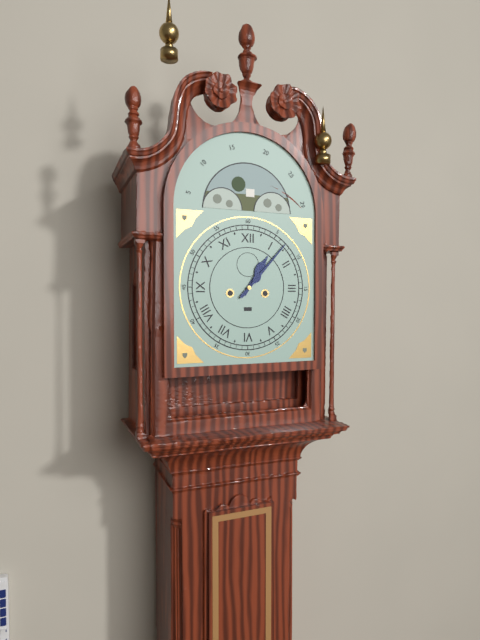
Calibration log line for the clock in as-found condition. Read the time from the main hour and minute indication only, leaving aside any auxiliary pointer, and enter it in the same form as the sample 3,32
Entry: 1,07
